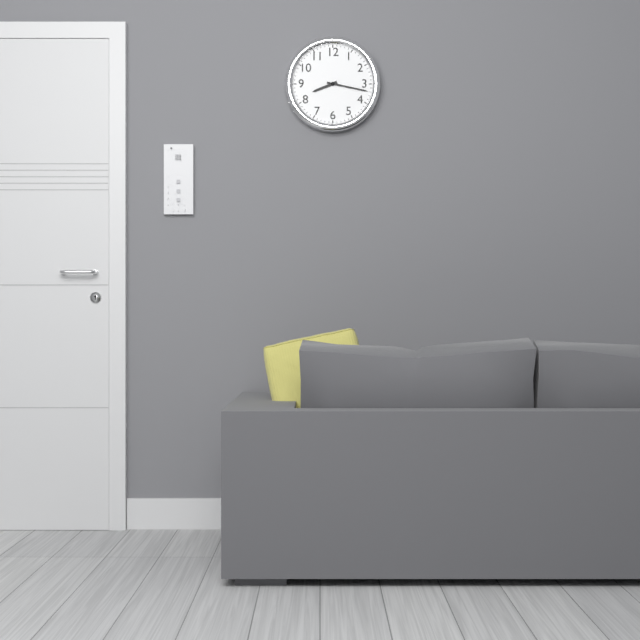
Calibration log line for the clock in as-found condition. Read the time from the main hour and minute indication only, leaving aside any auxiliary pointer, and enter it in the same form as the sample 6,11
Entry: 8,17
